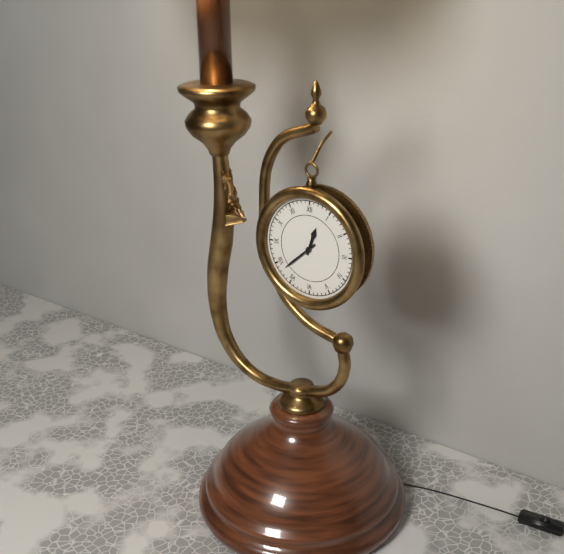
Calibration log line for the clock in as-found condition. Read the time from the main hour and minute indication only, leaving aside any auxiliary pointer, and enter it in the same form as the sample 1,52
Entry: 12,38
